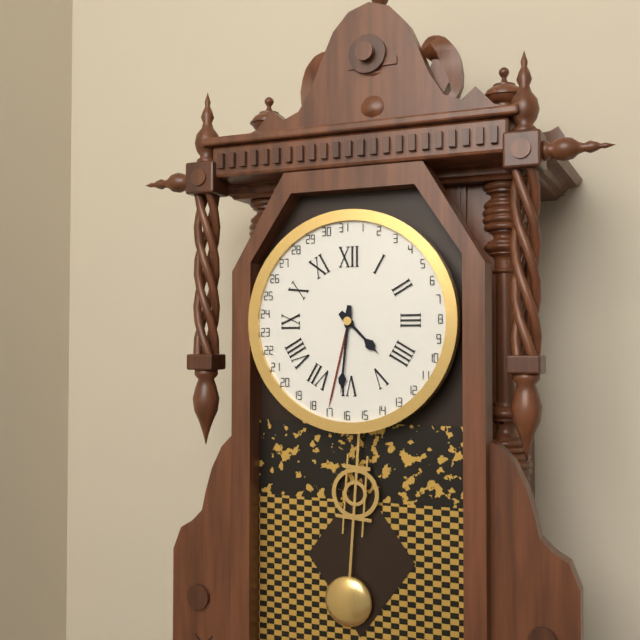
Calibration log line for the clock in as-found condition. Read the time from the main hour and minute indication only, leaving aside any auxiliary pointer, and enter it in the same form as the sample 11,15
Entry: 4,31
